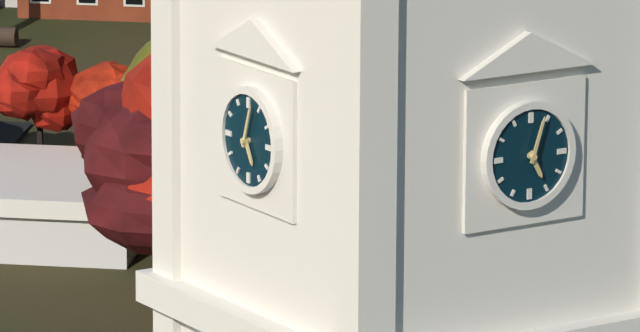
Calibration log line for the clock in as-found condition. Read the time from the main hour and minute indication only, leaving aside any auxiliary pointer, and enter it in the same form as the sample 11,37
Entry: 5,03
